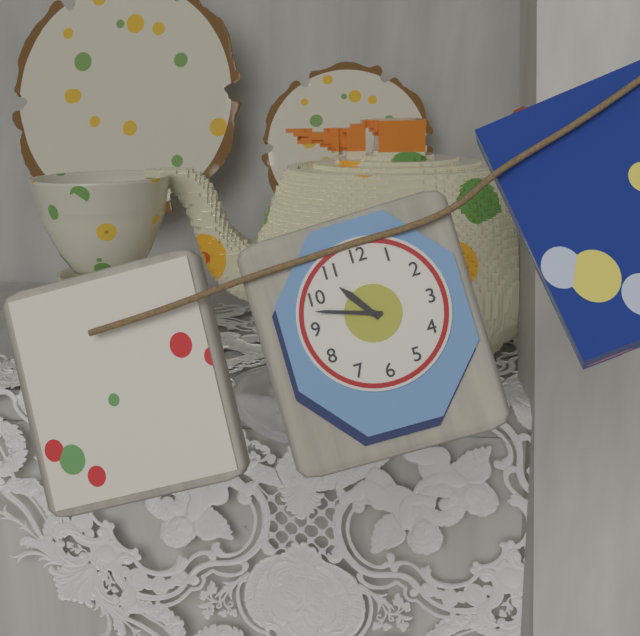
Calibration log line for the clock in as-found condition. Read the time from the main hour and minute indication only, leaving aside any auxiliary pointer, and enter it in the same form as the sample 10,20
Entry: 10,48
